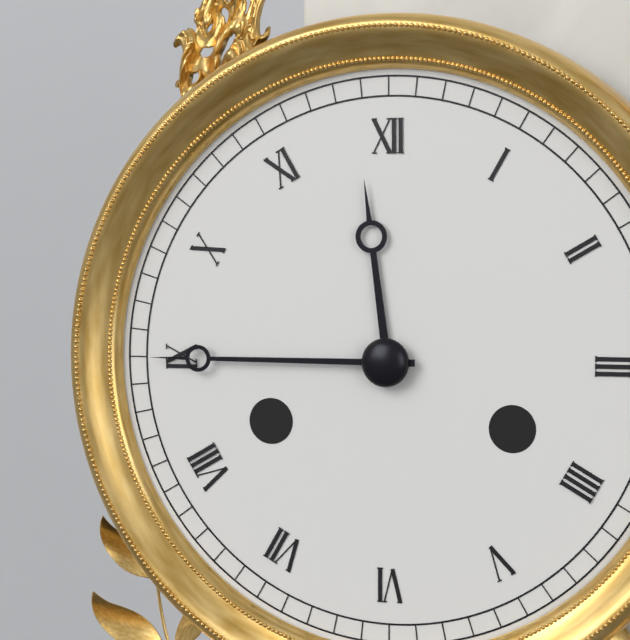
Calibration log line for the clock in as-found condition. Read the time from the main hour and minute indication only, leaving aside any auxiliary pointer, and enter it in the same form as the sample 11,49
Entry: 11,45
